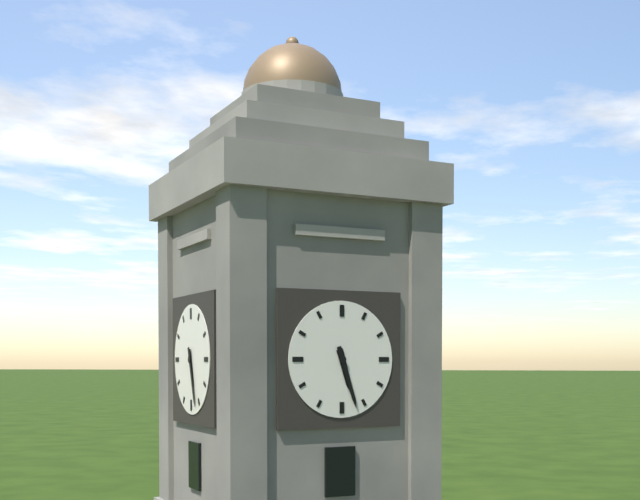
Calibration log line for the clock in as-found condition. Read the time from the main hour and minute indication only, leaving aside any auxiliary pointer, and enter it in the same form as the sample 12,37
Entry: 5,27
